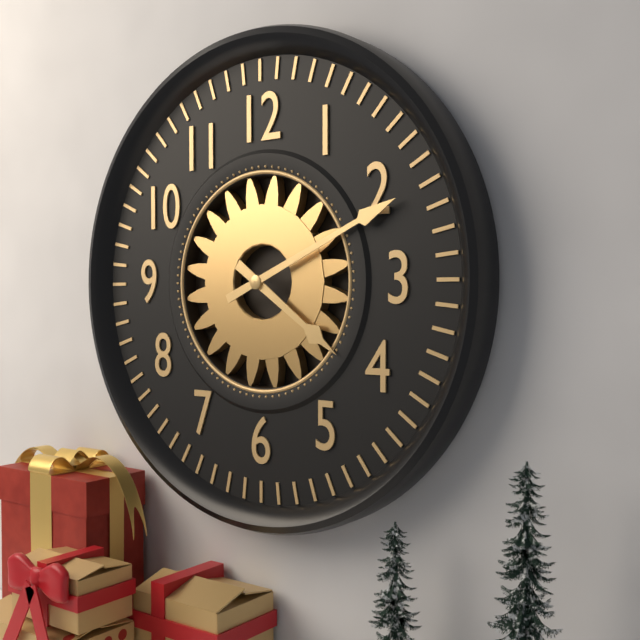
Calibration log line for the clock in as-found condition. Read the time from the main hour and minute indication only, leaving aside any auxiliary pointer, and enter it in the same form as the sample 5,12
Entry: 4,11
